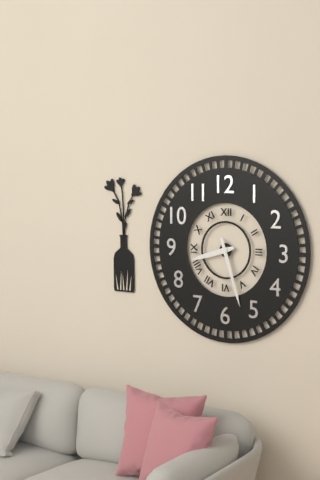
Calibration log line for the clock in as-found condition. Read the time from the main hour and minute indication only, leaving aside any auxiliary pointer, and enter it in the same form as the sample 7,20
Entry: 8,27
